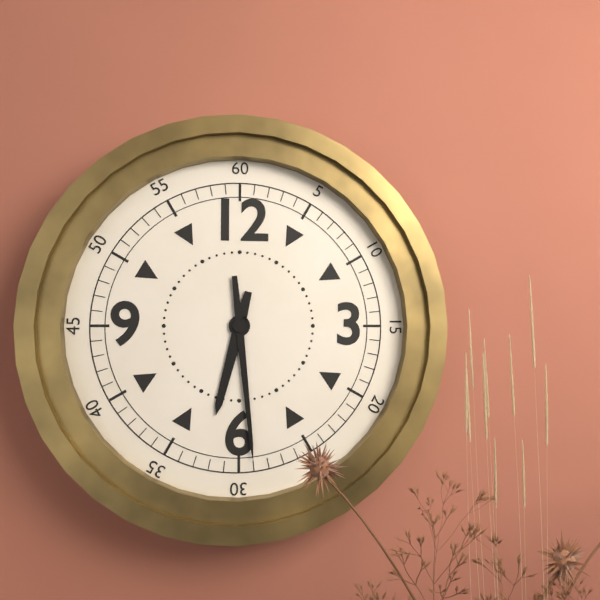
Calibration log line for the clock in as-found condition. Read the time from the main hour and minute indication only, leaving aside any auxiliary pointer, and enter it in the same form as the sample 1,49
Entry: 6,29
